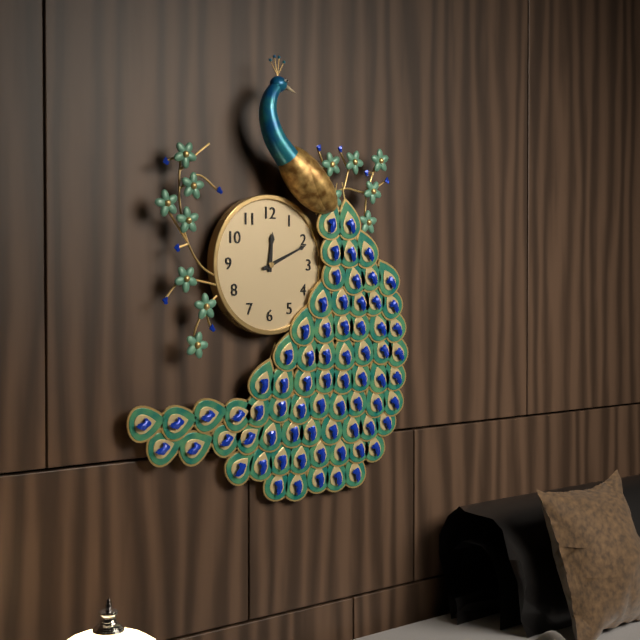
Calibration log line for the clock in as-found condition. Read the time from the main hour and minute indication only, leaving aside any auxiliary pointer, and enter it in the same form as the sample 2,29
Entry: 12,11
